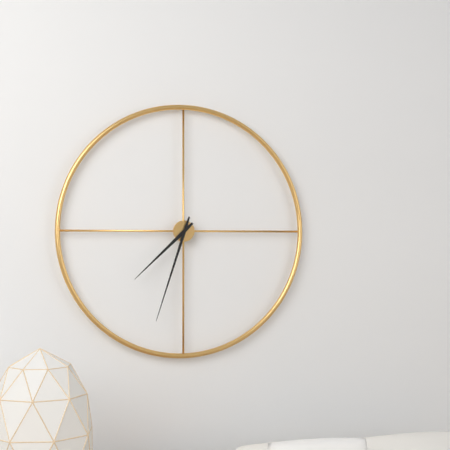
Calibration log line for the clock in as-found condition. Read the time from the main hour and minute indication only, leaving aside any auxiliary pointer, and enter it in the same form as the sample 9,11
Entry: 7,33
